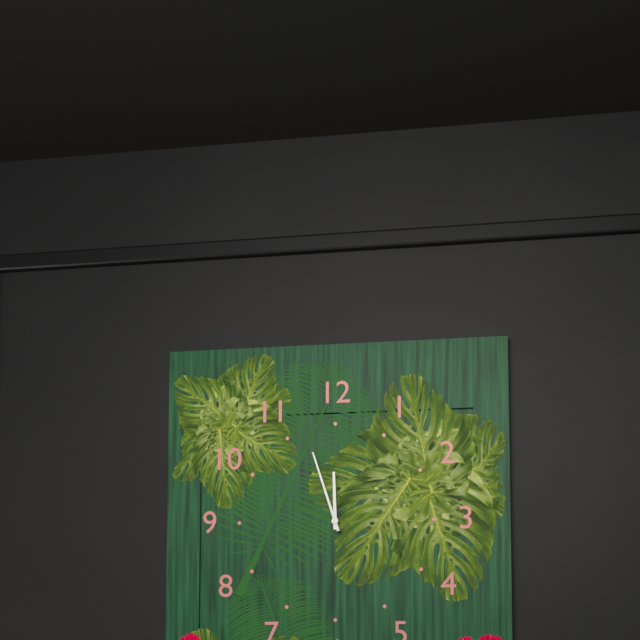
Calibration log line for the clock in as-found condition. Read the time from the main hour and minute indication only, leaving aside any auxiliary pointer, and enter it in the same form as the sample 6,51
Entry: 11,57
